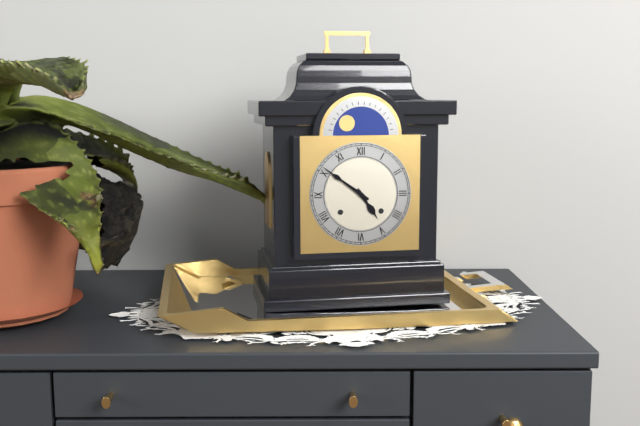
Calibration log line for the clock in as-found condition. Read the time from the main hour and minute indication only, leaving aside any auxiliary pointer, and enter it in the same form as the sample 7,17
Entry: 4,51
